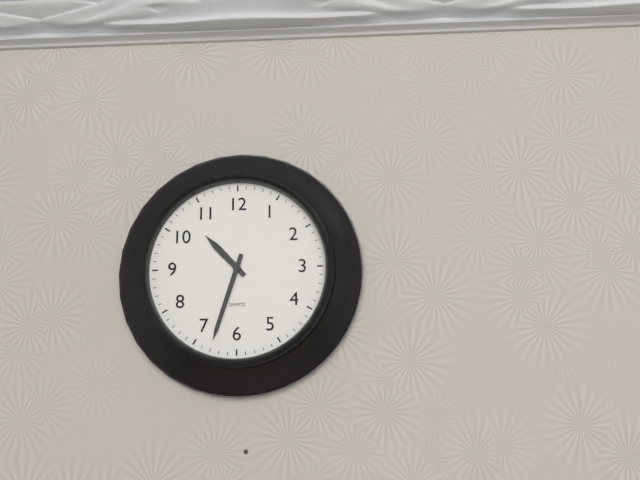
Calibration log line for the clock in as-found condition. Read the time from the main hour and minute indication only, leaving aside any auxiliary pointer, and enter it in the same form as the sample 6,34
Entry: 10,33
